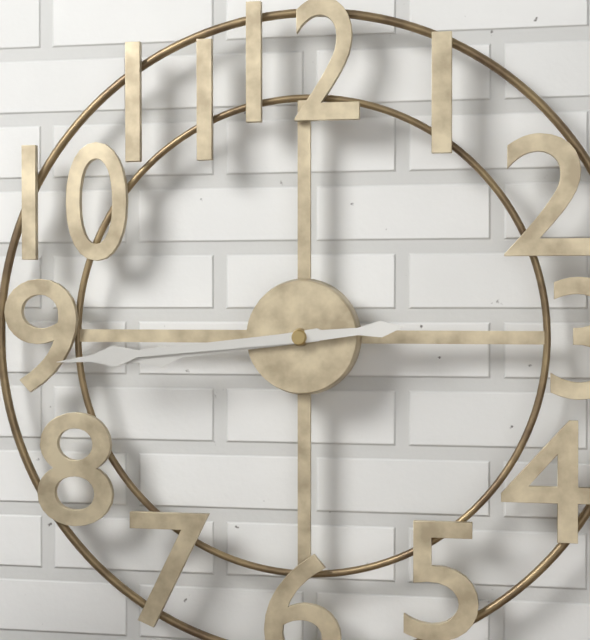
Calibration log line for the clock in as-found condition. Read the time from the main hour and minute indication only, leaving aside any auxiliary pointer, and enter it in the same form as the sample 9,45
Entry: 8,44
